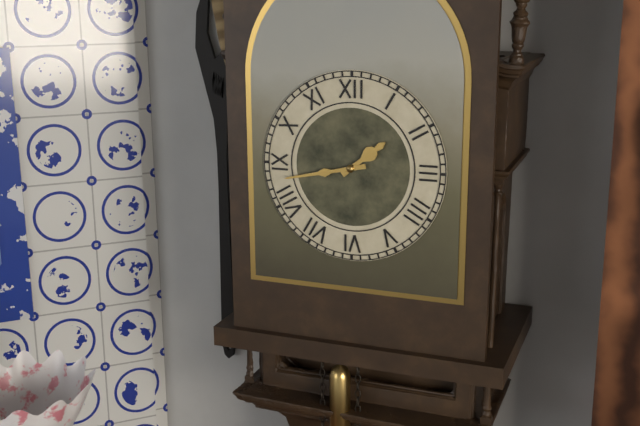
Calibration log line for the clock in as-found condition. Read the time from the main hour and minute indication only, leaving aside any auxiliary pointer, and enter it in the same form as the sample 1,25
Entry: 1,43
